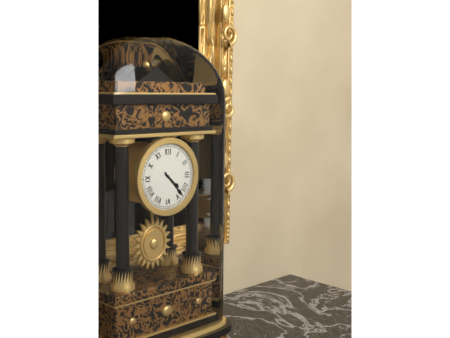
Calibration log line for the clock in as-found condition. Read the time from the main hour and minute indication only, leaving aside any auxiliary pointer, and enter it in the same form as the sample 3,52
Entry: 4,23
